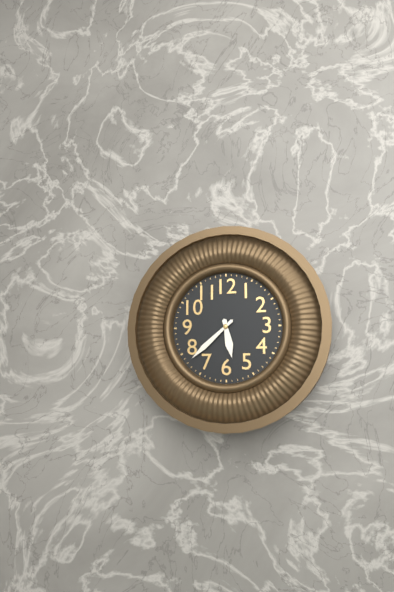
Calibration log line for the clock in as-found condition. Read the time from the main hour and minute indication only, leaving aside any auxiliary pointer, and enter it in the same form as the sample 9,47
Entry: 5,38
